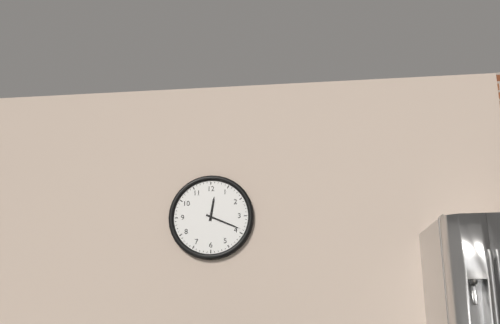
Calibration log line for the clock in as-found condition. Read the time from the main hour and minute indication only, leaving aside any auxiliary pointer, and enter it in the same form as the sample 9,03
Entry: 12,19
